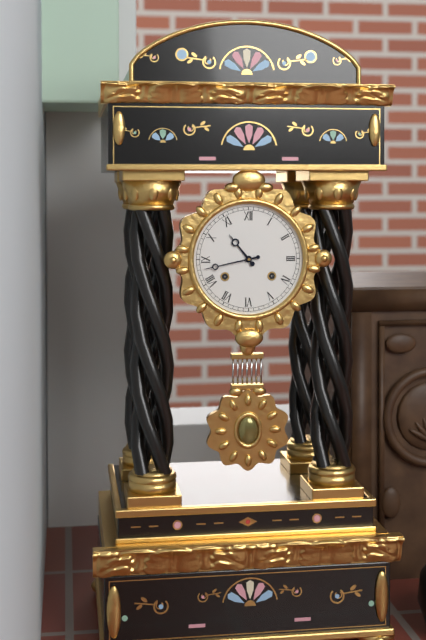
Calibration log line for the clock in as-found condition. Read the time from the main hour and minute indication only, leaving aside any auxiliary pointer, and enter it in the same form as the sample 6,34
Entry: 10,43
